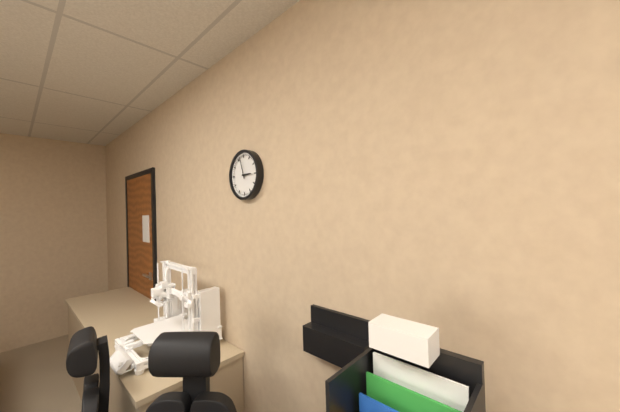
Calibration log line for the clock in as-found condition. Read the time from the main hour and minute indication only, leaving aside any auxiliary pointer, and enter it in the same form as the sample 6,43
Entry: 2,57
